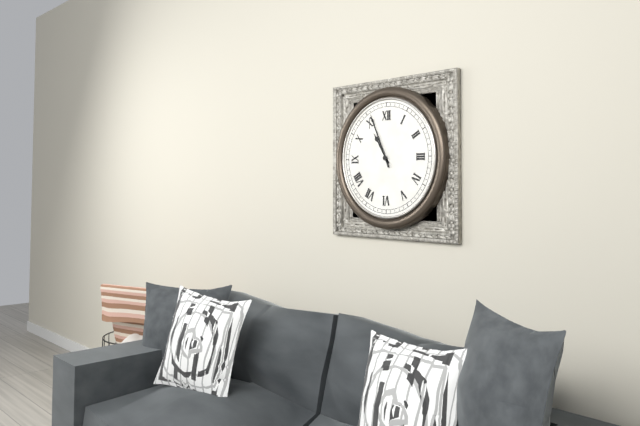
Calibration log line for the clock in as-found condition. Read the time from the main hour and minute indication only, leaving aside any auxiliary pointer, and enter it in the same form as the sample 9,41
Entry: 10,56
